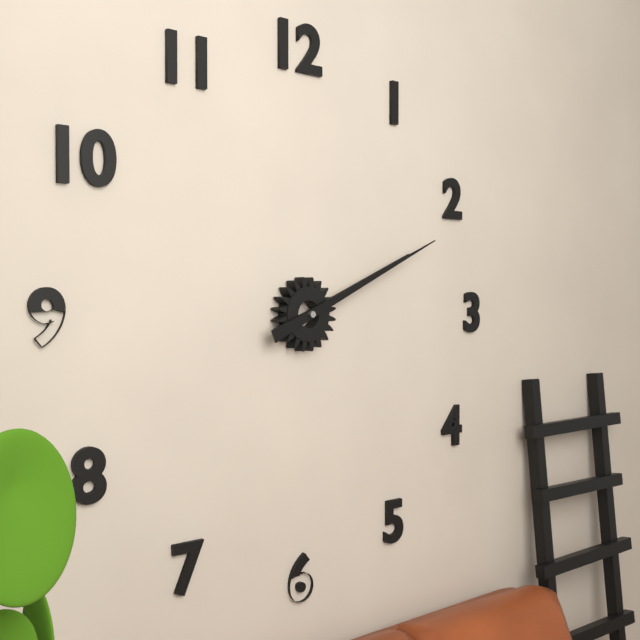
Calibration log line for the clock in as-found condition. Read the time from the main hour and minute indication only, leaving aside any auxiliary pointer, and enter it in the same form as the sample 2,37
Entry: 2,11
